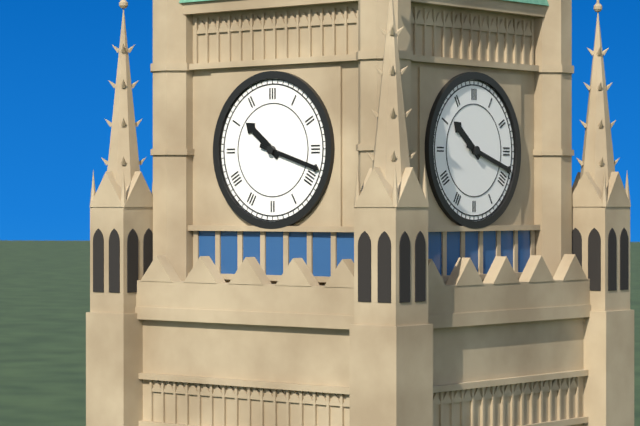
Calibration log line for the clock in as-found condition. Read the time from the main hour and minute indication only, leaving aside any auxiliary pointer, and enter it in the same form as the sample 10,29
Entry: 10,18
